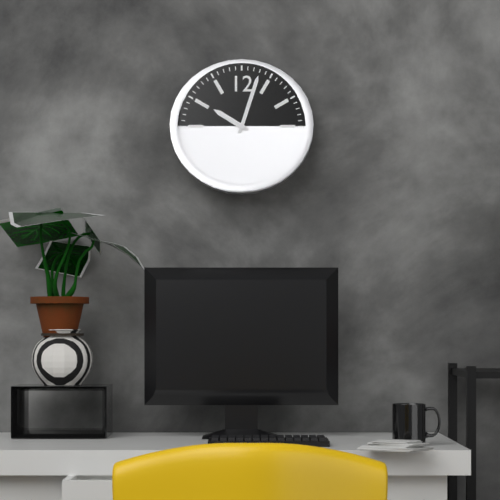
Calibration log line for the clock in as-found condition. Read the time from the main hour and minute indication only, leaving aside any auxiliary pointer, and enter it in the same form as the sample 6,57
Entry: 10,03
